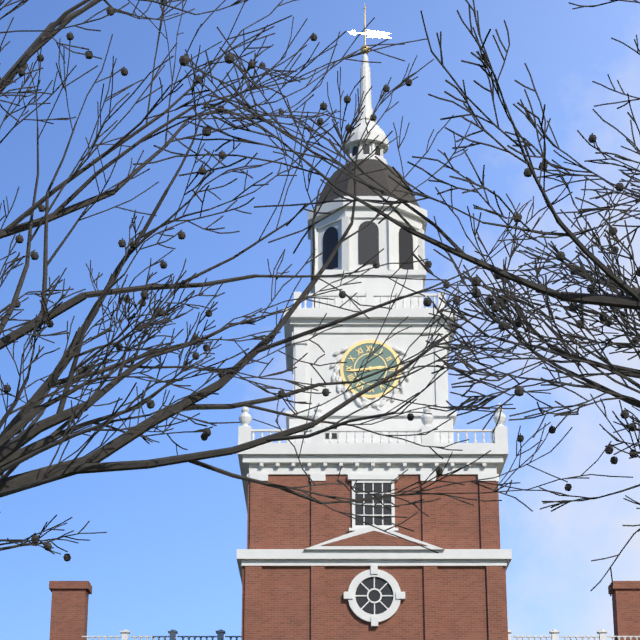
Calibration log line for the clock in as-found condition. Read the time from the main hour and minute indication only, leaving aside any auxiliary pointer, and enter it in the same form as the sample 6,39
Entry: 2,44
